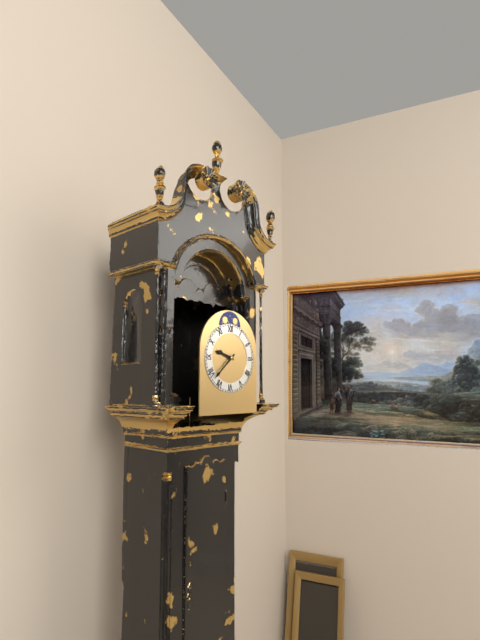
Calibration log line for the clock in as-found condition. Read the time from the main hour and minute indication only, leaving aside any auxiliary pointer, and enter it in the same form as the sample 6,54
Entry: 9,38
